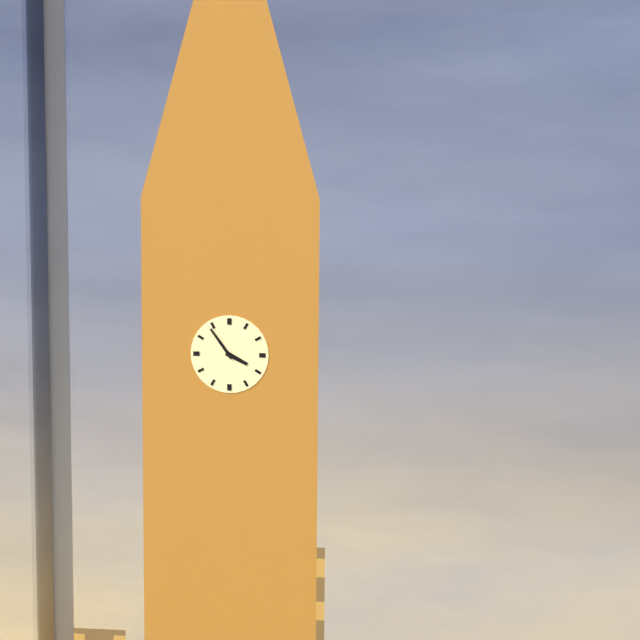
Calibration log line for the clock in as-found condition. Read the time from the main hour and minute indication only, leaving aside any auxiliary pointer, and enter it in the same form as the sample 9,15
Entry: 3,54
